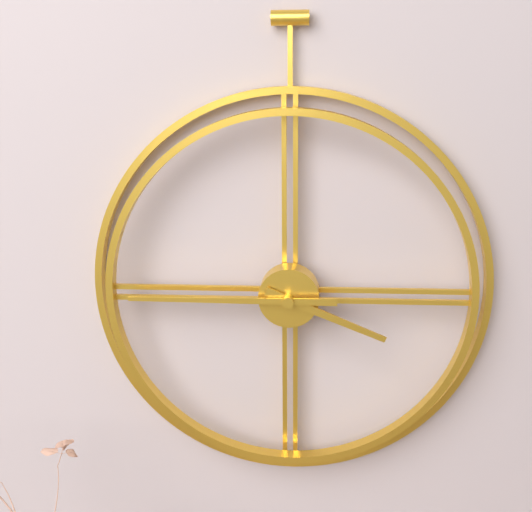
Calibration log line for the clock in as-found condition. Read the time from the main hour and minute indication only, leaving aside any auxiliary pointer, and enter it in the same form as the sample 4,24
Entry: 3,45
